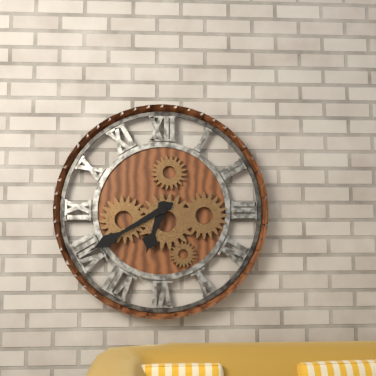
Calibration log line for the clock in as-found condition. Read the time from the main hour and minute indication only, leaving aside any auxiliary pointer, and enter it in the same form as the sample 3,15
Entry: 6,40
